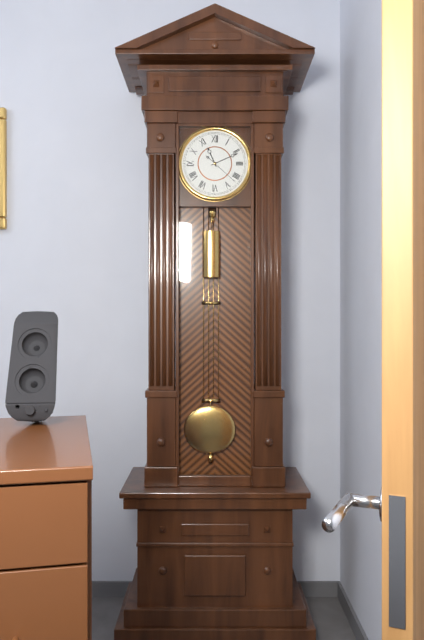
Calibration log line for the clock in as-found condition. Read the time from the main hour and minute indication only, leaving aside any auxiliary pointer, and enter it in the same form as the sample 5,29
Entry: 11,11
